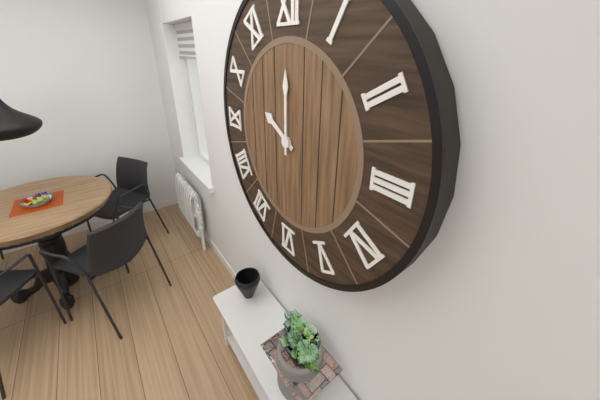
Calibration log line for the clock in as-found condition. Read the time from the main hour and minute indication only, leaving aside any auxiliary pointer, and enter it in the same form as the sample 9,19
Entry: 10,00
